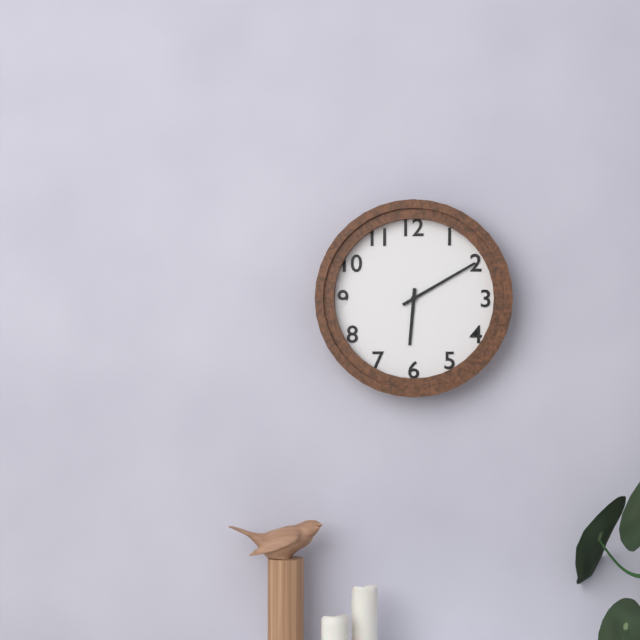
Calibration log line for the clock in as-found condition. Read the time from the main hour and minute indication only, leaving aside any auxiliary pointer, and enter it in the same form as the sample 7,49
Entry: 6,10
